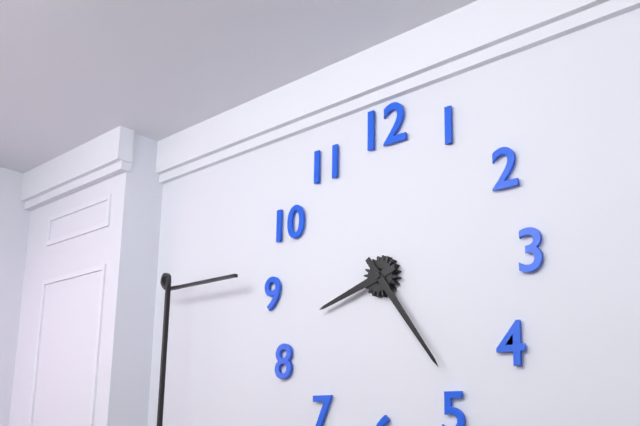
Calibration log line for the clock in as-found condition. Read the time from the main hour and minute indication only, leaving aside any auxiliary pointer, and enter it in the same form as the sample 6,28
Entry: 8,24
